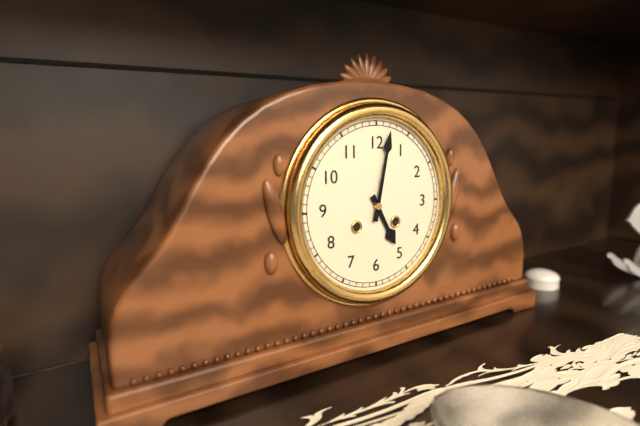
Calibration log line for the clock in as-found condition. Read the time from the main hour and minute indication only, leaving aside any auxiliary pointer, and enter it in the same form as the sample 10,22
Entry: 5,02
